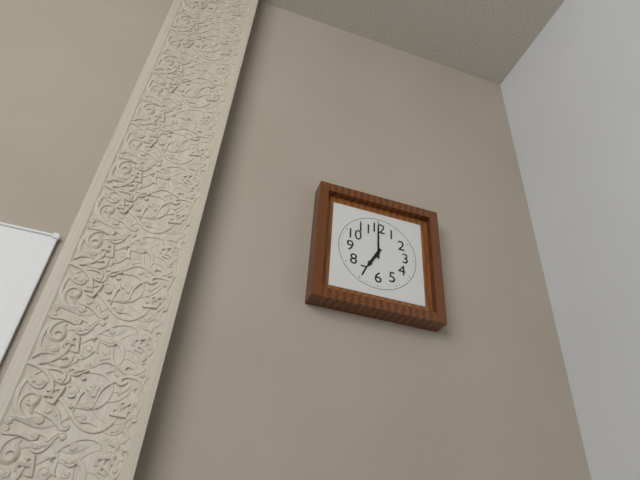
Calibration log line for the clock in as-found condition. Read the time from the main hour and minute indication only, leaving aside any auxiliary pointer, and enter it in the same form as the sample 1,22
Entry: 7,00
